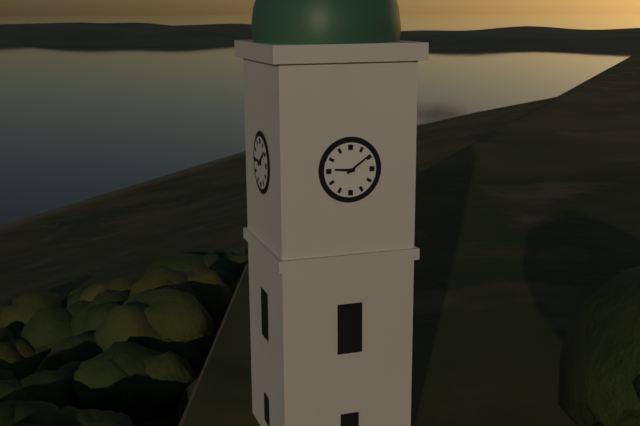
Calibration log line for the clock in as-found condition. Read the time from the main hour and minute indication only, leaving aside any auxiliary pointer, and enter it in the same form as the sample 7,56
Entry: 9,09
